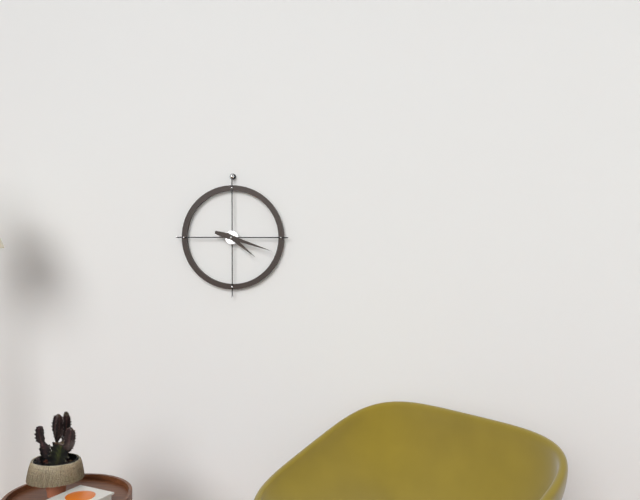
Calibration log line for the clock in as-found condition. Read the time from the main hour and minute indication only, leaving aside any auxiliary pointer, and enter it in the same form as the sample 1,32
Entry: 4,18
